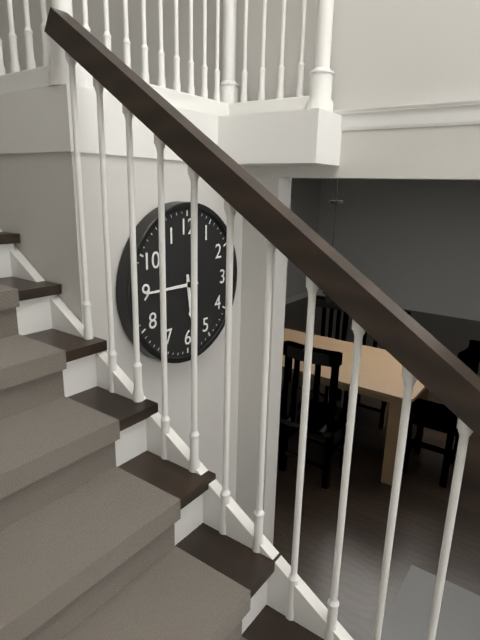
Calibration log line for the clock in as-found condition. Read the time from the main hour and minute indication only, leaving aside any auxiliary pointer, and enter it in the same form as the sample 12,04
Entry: 5,45
